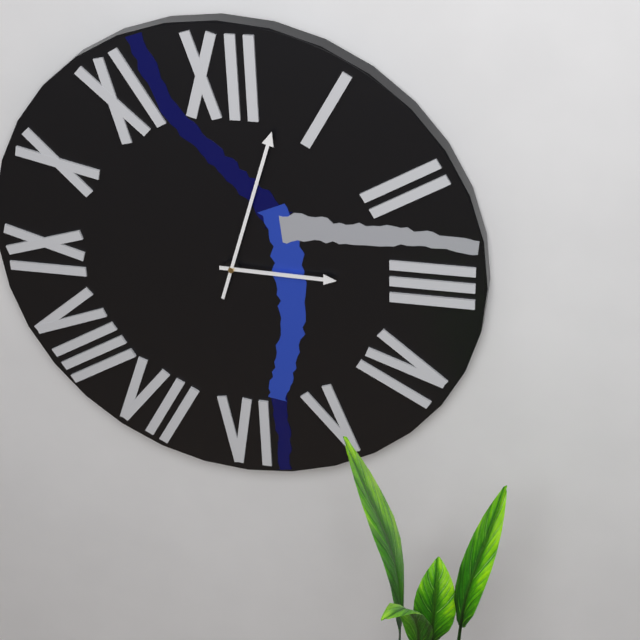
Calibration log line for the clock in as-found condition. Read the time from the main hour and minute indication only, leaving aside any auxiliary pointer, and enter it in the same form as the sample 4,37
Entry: 3,03
